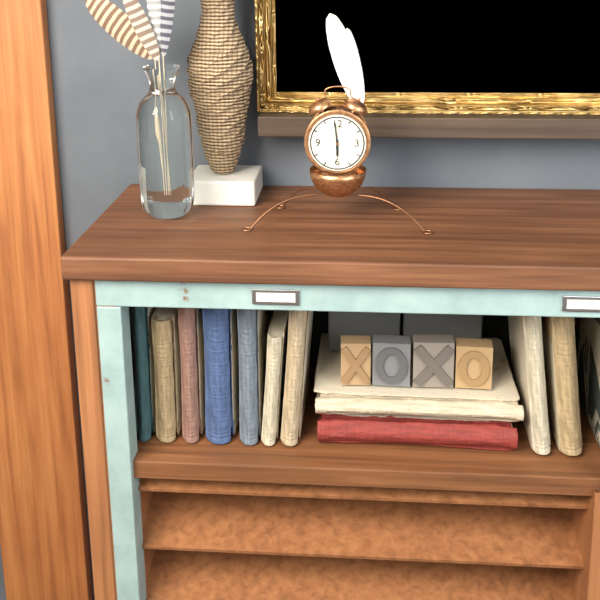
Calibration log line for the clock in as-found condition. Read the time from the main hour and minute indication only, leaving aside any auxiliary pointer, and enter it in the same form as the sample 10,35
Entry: 5,59
